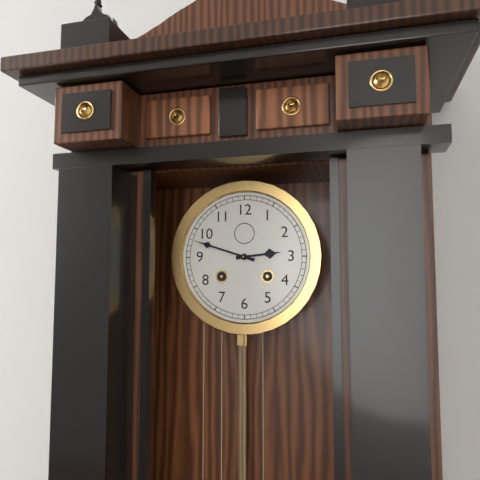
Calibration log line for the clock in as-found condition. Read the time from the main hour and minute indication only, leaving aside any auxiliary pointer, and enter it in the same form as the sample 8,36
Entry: 2,48
